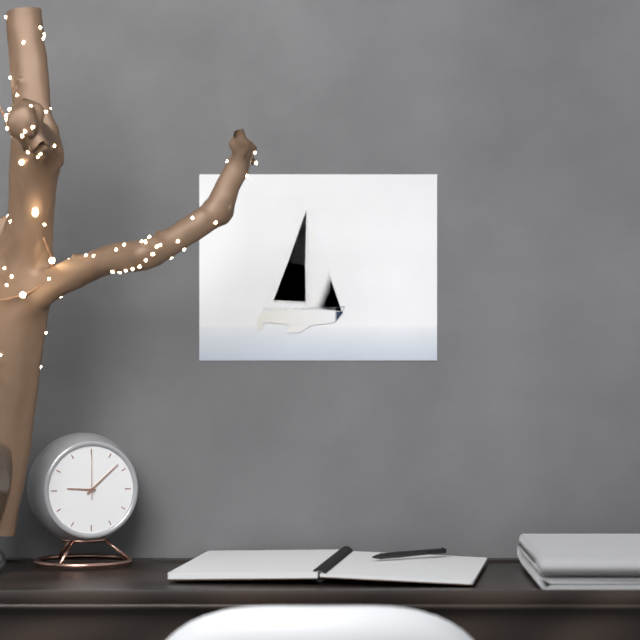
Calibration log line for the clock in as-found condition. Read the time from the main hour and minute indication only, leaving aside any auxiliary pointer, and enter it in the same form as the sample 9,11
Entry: 9,08
